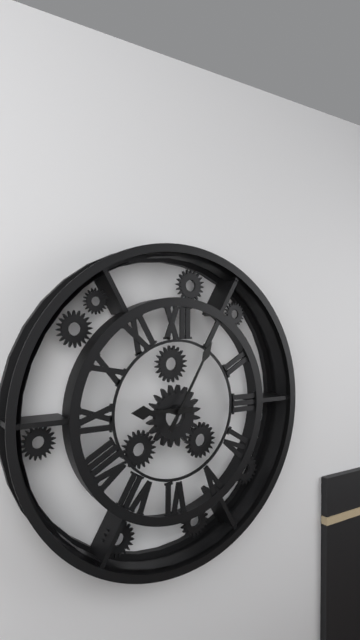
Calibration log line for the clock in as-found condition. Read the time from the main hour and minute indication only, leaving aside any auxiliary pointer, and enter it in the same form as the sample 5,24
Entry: 9,05
